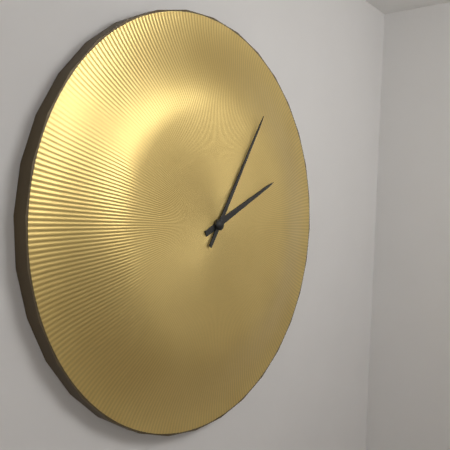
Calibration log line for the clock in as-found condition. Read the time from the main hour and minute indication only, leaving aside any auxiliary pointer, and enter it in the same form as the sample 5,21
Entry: 2,05
